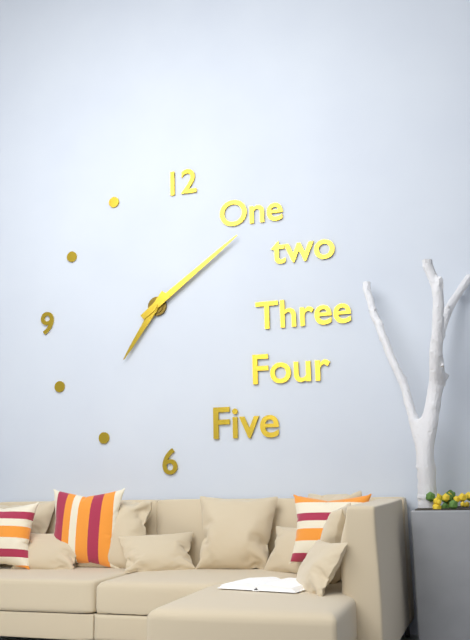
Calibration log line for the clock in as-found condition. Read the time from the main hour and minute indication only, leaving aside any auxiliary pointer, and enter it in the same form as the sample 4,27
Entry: 7,09
